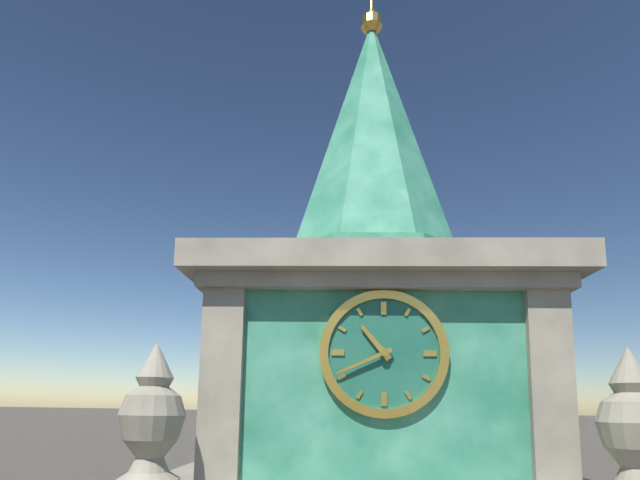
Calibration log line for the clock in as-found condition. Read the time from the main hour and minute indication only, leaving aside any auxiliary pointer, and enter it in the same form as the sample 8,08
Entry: 10,41
